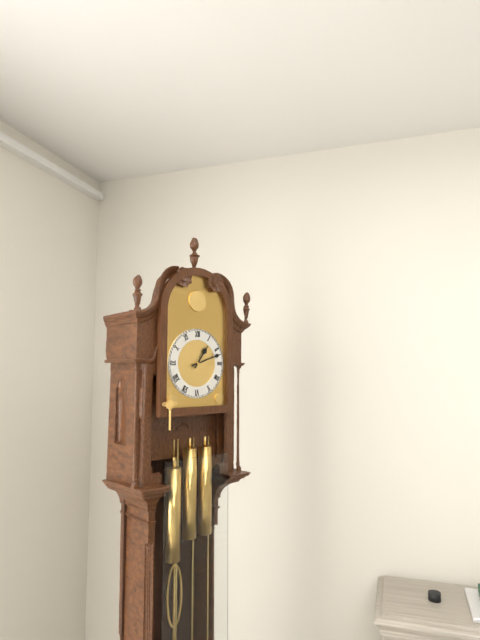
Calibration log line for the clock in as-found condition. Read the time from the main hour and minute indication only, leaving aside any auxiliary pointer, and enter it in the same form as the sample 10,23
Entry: 1,12
